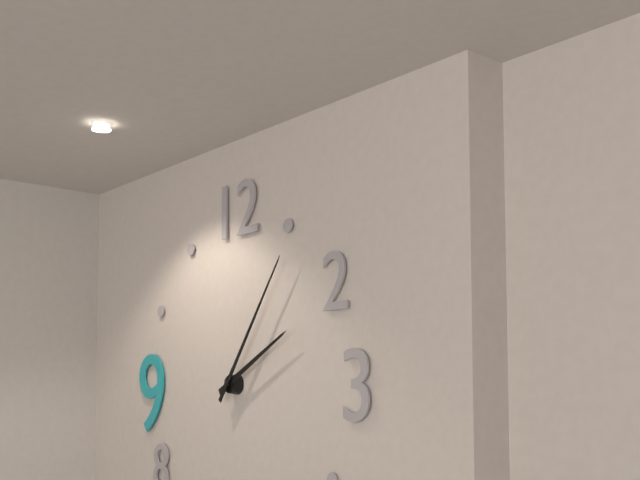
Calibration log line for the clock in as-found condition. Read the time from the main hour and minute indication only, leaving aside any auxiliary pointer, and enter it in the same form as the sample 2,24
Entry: 2,06
